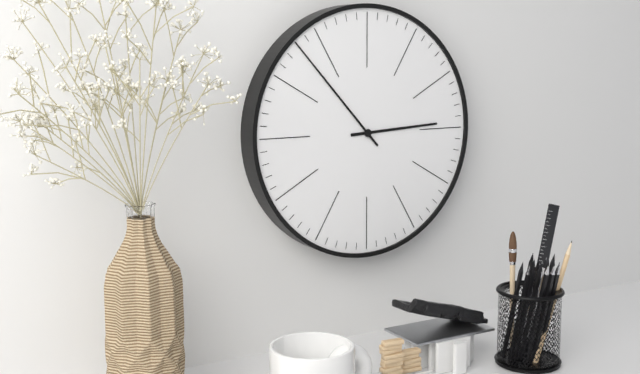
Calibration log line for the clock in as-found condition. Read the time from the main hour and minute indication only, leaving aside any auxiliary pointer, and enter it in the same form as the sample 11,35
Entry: 2,53
